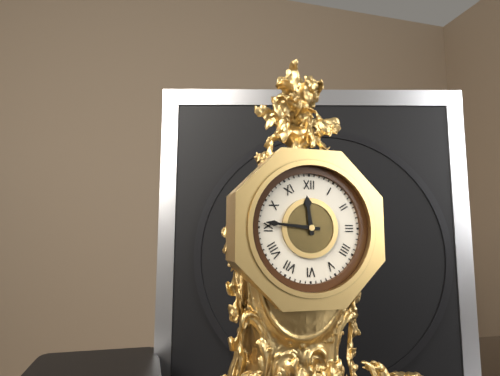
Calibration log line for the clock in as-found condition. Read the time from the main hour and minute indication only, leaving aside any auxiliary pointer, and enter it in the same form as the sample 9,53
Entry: 11,46
